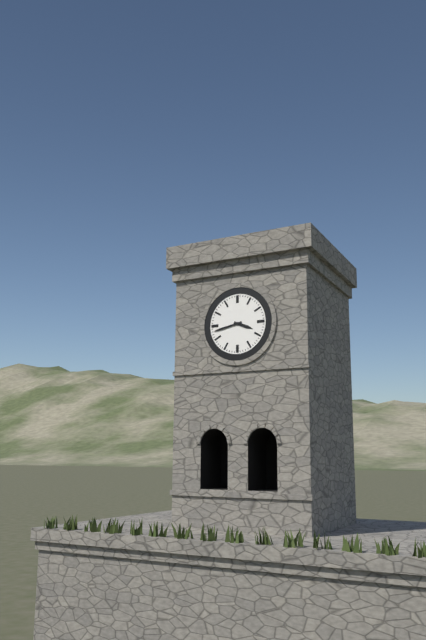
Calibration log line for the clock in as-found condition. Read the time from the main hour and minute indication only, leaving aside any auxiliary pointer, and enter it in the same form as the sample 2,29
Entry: 3,43
